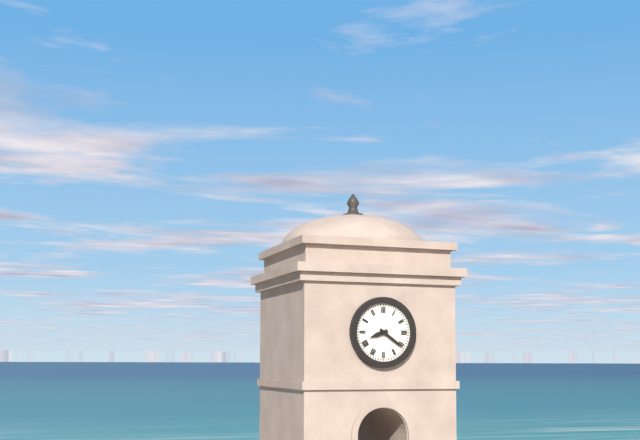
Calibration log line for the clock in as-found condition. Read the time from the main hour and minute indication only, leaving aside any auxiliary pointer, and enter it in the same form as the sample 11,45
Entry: 8,21
